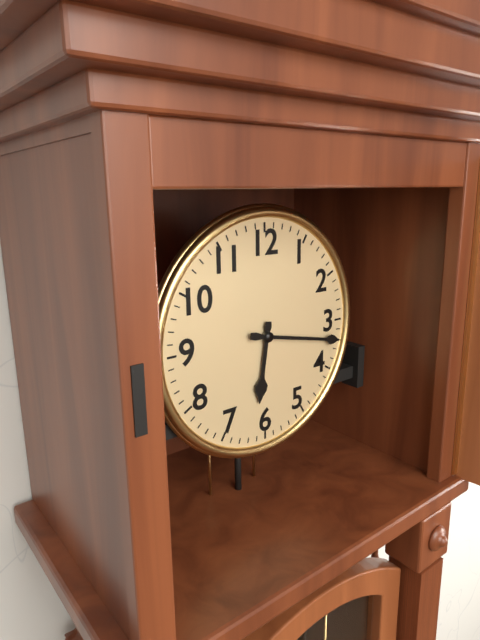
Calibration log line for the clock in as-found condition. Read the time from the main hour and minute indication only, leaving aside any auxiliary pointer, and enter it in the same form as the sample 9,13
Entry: 6,17
